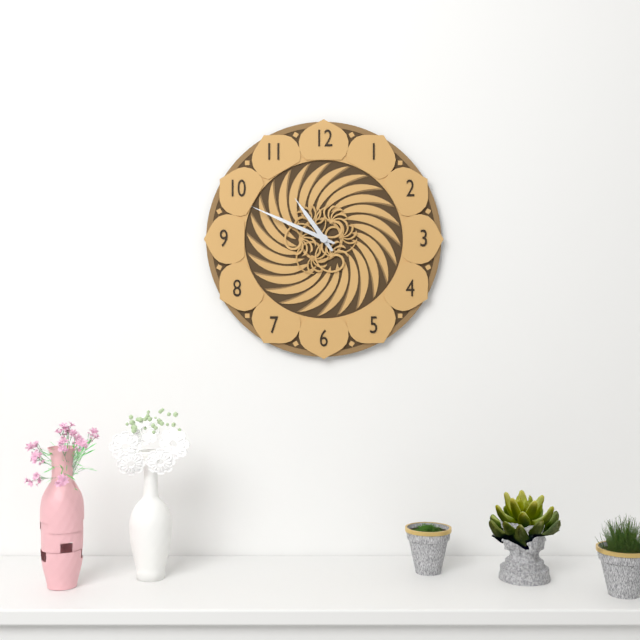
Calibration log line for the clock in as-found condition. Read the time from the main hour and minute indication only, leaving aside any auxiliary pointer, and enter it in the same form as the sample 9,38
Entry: 10,49
